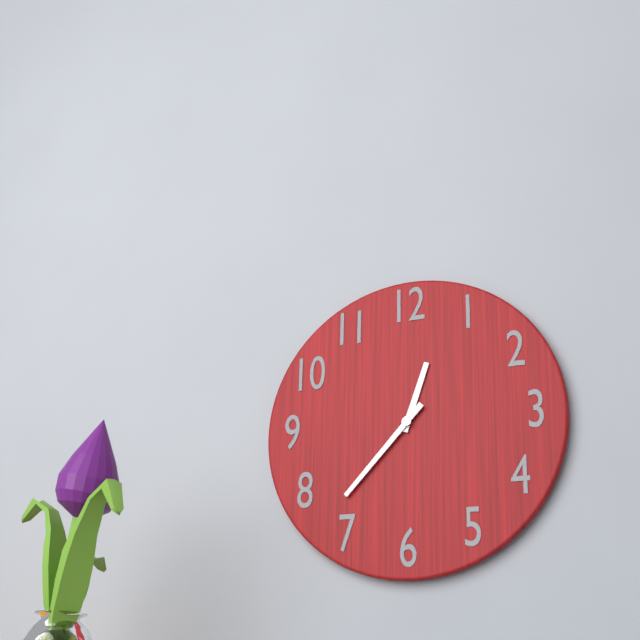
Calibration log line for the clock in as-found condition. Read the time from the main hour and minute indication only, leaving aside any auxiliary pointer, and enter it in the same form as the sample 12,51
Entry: 12,37
